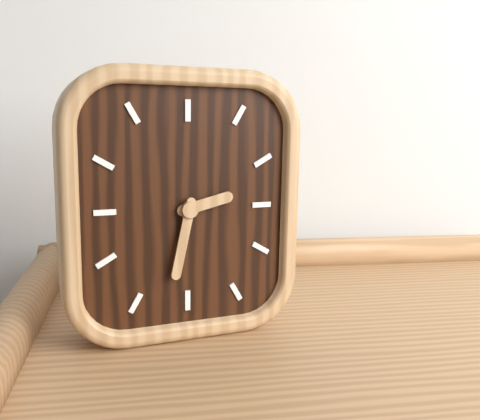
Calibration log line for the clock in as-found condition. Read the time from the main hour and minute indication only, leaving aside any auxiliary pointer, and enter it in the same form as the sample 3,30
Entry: 2,32
